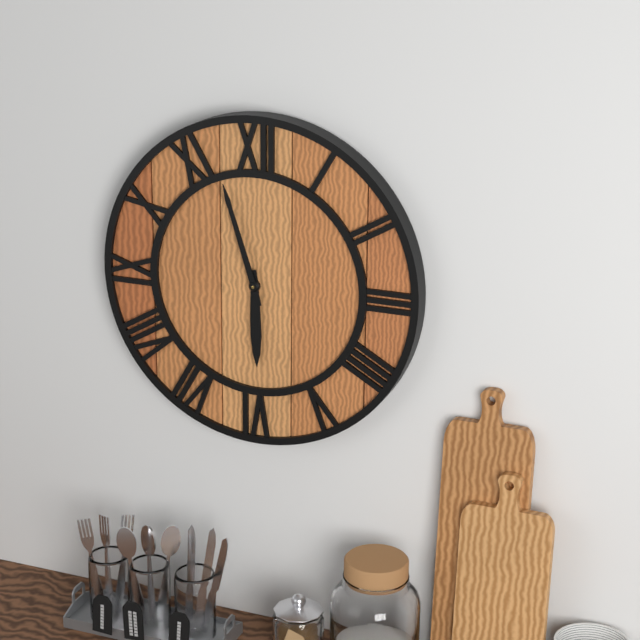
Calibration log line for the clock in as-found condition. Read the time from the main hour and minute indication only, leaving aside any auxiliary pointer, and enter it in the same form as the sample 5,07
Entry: 5,57
